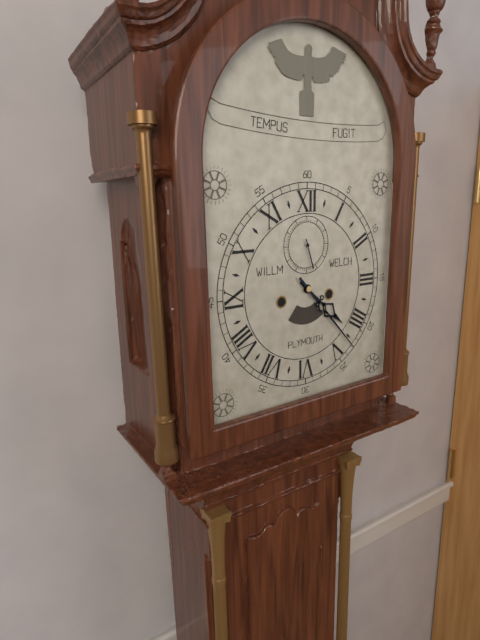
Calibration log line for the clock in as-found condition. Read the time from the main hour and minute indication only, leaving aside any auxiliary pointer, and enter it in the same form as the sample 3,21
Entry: 4,23
